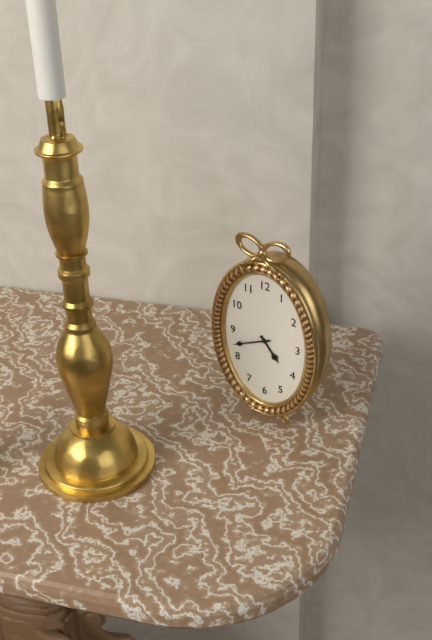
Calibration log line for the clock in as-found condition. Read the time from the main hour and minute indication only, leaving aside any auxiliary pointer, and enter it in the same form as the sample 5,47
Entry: 4,41
